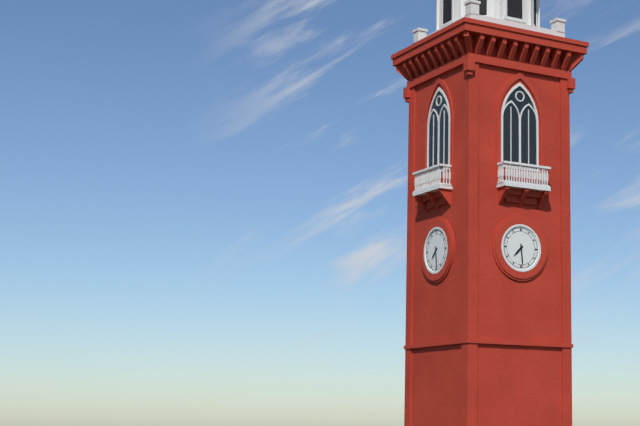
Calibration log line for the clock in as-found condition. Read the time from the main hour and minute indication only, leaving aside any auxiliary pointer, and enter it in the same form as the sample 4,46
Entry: 7,29
